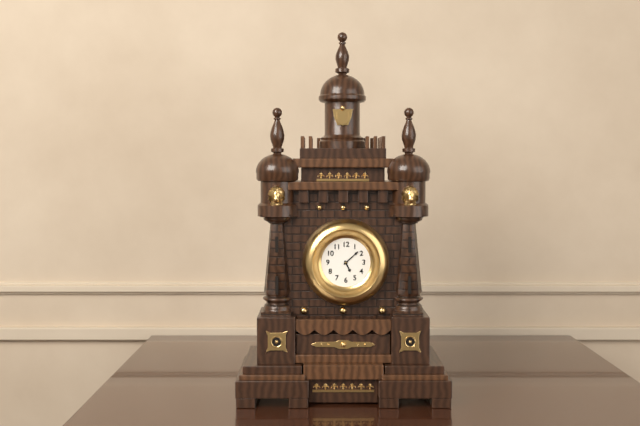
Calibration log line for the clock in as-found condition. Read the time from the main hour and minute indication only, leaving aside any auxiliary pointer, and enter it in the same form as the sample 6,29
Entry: 5,08
